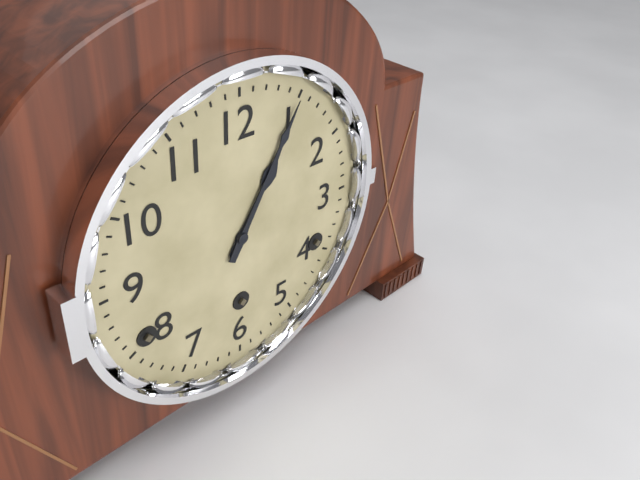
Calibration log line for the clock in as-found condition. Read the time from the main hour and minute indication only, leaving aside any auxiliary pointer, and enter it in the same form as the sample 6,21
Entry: 1,05
